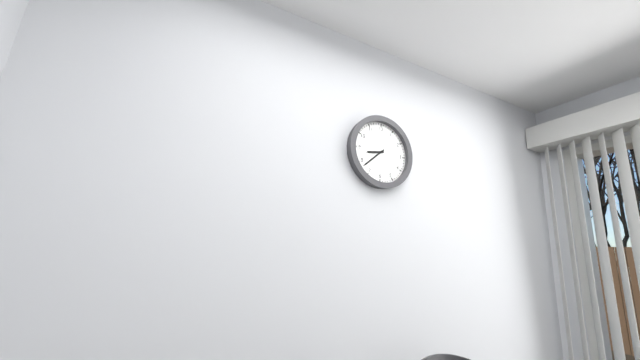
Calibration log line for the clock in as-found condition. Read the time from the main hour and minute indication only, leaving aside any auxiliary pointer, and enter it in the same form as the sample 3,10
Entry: 8,38
